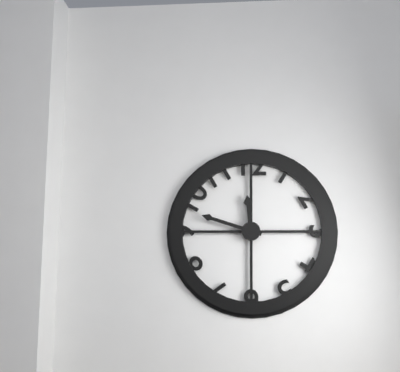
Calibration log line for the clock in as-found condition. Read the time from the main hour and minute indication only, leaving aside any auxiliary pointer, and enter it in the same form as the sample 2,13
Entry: 11,48
